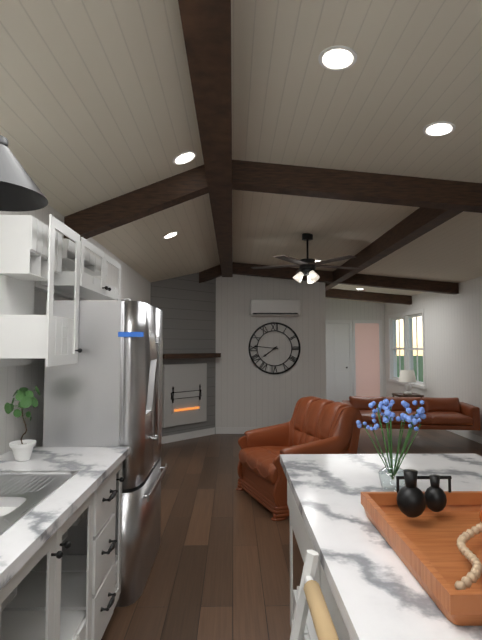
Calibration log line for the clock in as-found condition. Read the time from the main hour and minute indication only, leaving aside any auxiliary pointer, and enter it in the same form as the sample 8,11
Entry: 7,46
